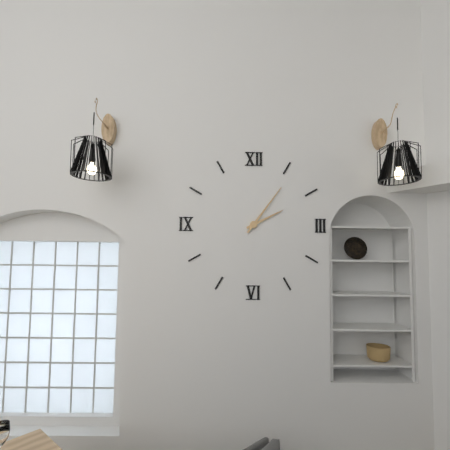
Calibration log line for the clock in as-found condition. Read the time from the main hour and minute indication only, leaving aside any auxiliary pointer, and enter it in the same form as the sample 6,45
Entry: 2,06
